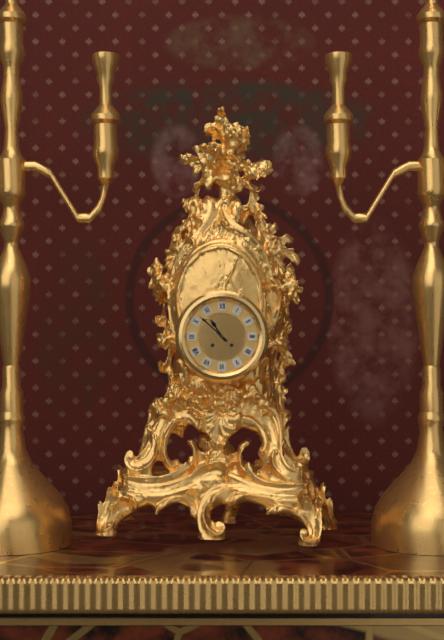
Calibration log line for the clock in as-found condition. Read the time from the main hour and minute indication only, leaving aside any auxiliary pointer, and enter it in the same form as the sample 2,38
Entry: 10,52
